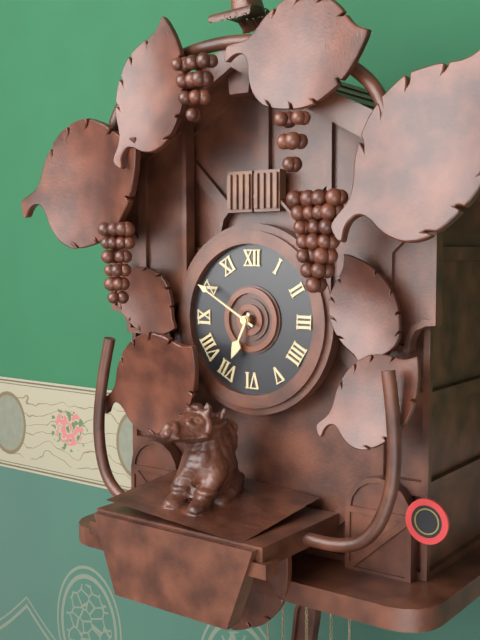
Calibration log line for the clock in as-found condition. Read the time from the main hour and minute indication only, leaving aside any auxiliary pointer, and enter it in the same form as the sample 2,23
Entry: 6,50
